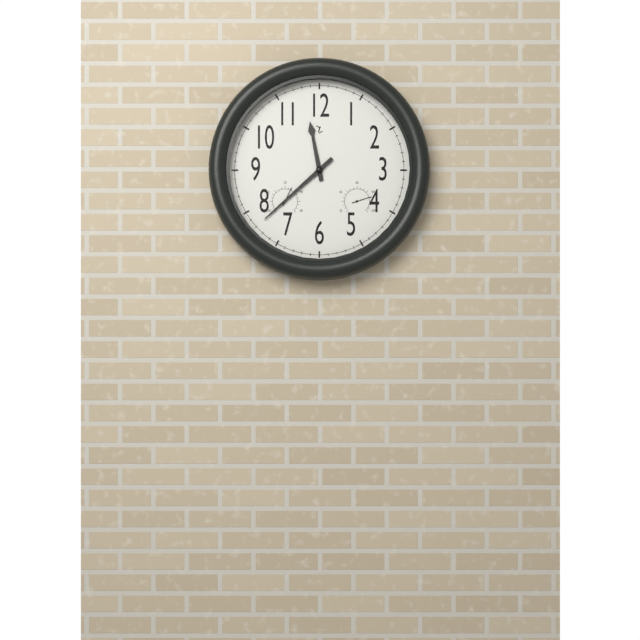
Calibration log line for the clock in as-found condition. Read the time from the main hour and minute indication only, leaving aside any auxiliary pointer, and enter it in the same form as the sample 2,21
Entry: 11,38
